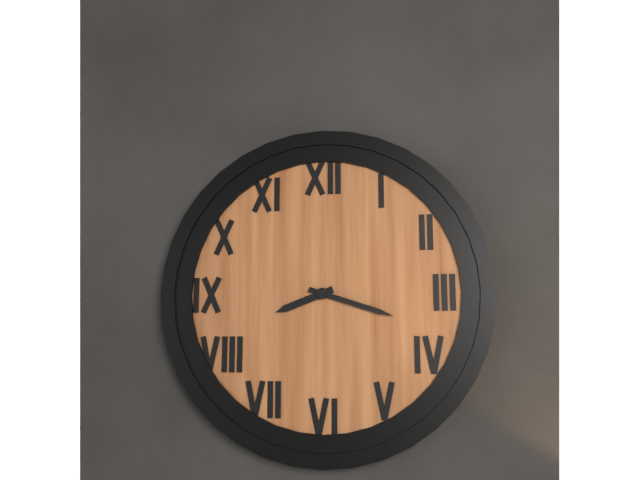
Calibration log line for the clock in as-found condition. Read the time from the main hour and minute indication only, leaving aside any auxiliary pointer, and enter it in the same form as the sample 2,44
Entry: 8,18
